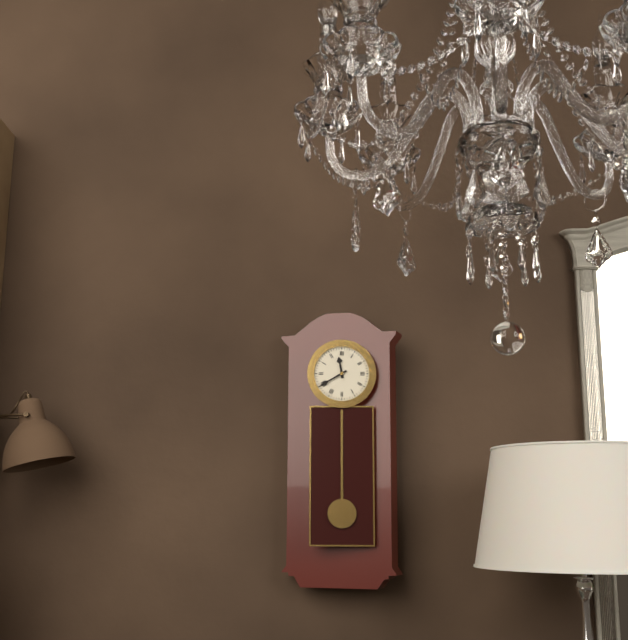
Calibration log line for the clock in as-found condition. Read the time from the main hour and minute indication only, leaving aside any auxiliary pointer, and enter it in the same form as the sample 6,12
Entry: 11,40
